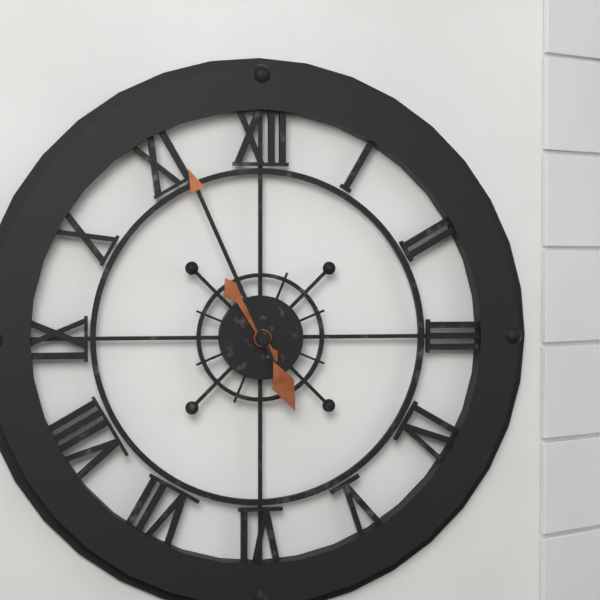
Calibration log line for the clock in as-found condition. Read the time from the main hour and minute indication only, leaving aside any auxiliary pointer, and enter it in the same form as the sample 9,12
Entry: 10,56
